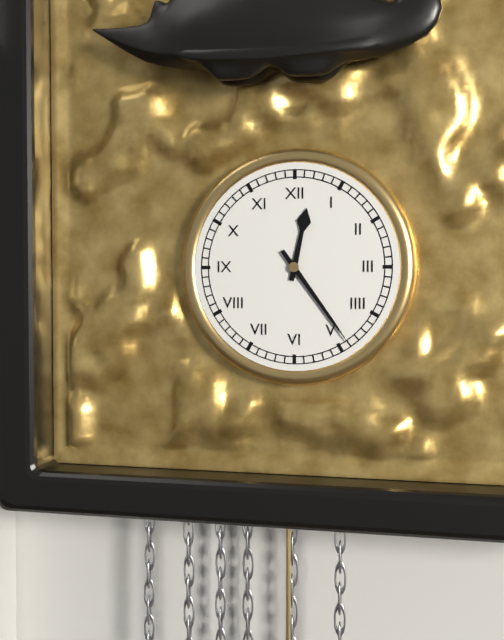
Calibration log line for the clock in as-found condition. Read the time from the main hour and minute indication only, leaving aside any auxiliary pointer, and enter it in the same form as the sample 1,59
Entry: 12,24
